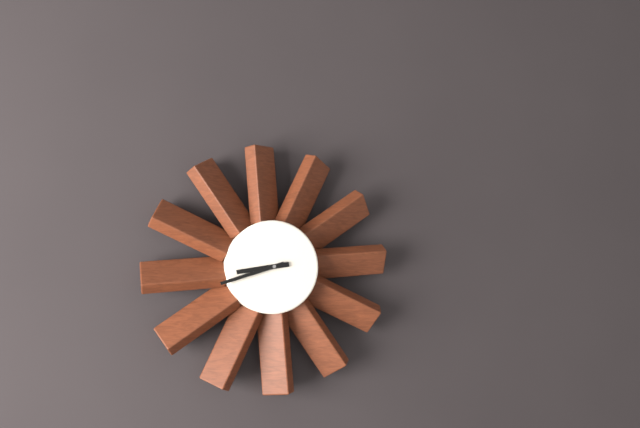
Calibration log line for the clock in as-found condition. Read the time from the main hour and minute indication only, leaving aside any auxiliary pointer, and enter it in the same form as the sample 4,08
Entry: 8,42
